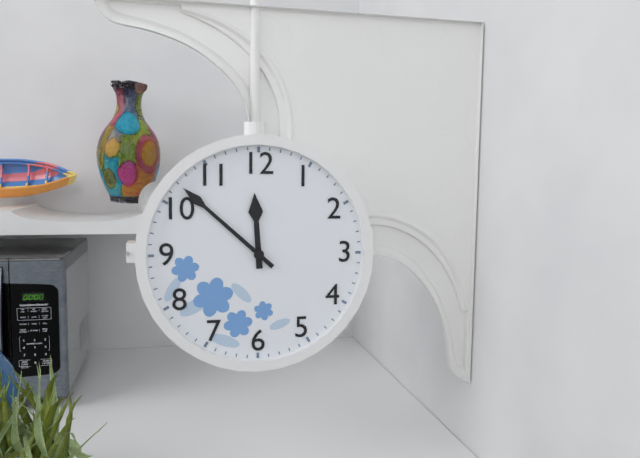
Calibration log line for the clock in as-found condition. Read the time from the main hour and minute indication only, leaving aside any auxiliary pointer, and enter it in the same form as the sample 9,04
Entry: 11,52
